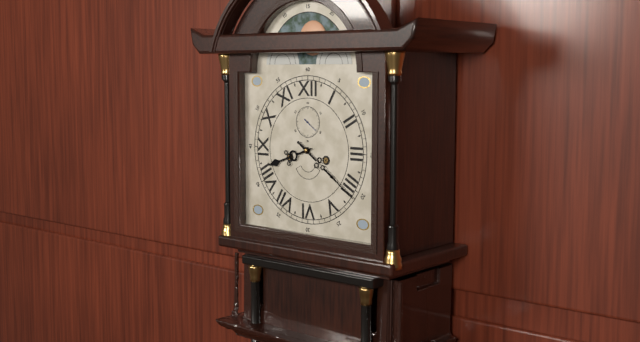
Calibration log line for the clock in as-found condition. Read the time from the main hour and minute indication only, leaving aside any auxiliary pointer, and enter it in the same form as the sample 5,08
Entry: 8,21
